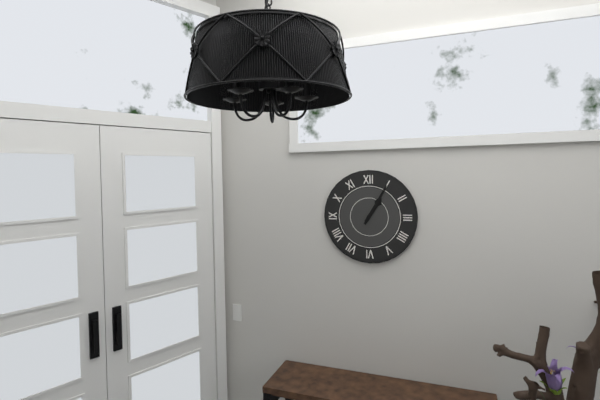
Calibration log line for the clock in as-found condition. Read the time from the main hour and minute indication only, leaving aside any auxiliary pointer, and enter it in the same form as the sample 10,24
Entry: 1,05
